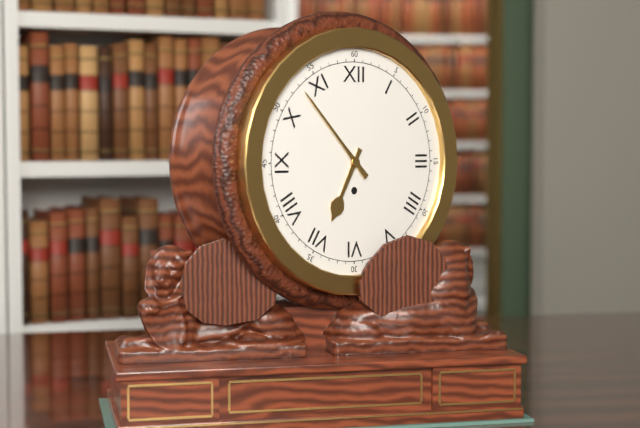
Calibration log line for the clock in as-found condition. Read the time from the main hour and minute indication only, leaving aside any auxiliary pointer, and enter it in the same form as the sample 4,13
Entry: 6,53
